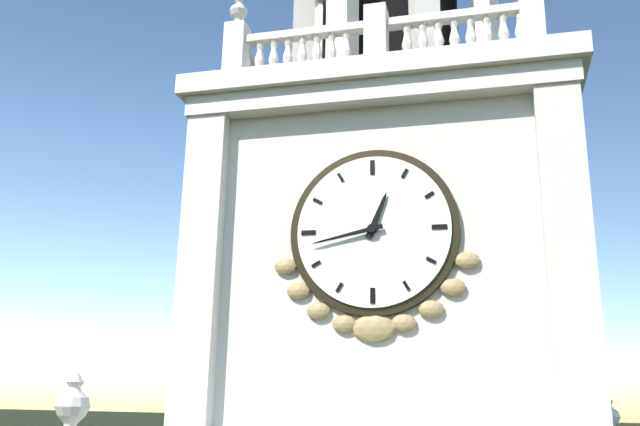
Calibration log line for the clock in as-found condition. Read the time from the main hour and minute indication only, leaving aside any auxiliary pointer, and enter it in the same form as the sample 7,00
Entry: 12,43
